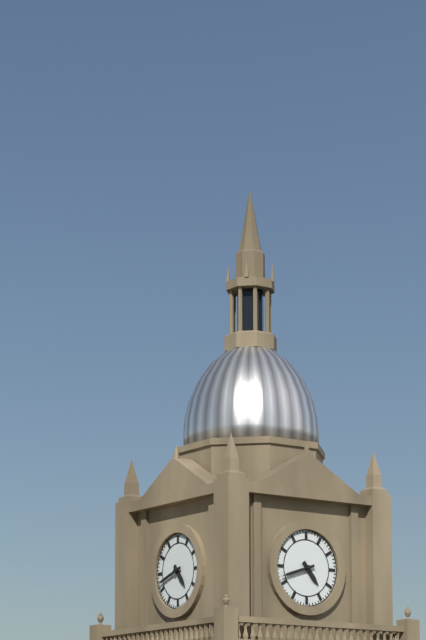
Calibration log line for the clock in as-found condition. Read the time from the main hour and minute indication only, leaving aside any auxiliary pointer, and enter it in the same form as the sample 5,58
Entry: 4,42
